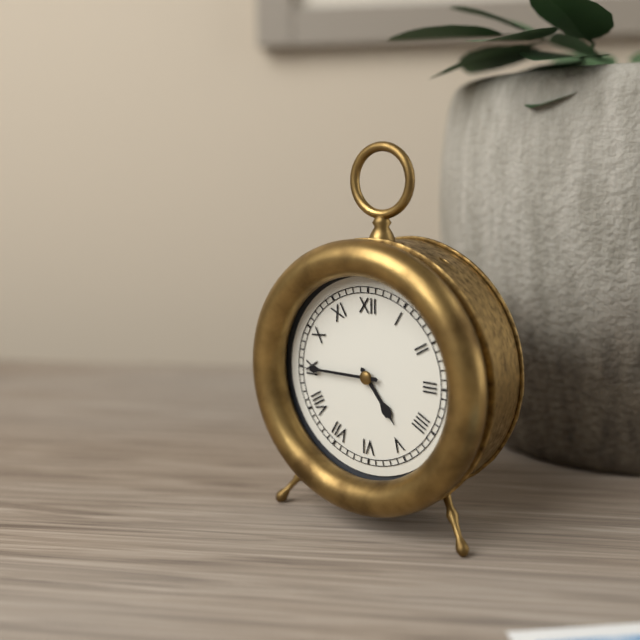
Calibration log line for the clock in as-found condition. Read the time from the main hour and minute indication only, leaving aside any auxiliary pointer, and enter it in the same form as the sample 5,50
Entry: 4,45
